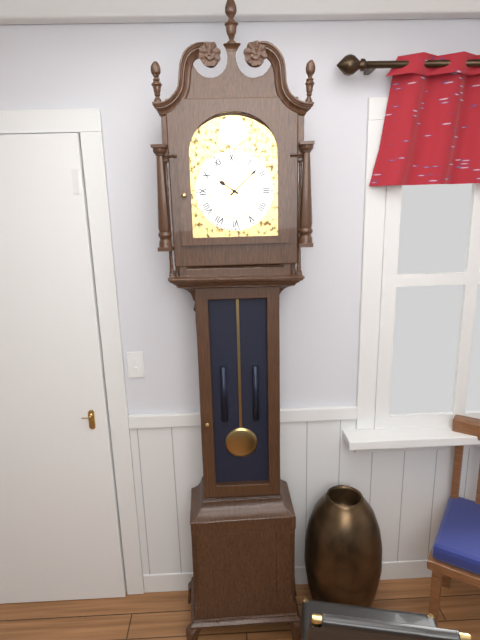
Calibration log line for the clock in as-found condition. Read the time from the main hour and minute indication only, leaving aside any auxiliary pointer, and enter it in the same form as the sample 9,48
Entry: 10,08
